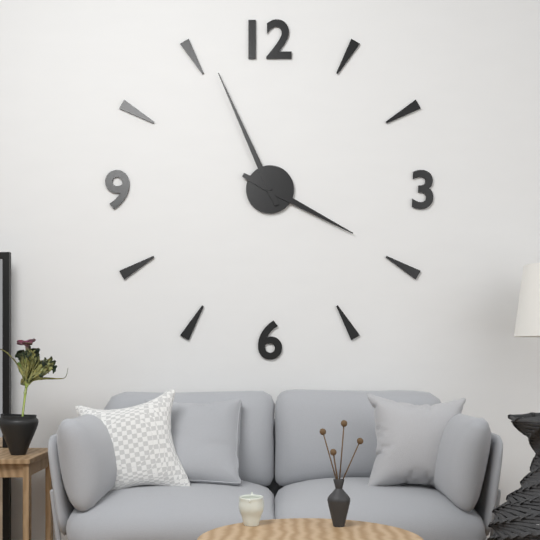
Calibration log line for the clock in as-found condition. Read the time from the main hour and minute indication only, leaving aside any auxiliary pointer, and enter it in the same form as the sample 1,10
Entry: 3,56
